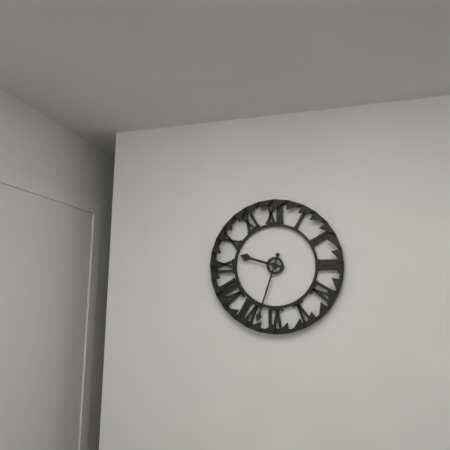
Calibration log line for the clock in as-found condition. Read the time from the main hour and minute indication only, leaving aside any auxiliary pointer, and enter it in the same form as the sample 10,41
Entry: 9,33
